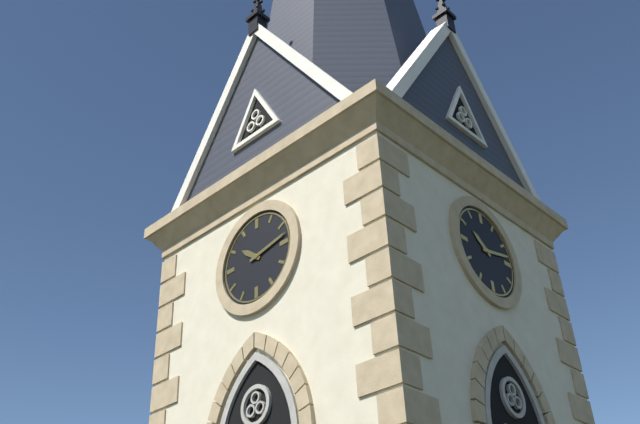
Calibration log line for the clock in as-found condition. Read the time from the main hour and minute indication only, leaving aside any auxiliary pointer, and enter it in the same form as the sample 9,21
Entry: 10,13
